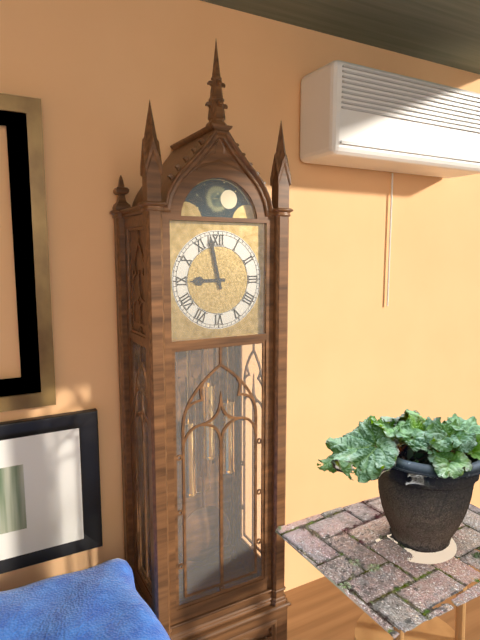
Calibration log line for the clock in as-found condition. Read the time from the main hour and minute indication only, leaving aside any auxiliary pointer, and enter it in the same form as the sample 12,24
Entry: 8,58
